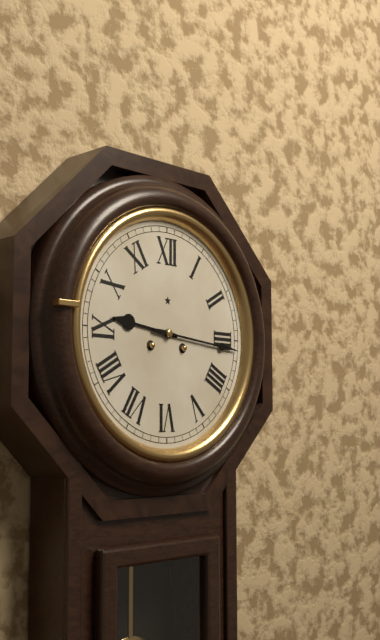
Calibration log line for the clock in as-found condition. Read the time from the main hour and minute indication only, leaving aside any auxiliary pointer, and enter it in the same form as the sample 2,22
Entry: 9,16
